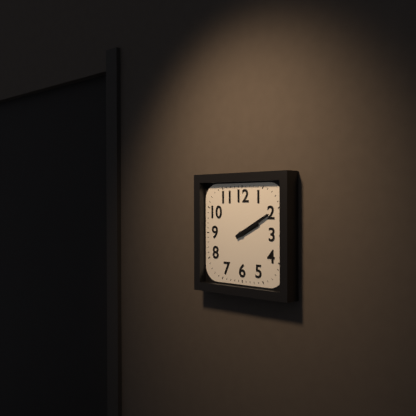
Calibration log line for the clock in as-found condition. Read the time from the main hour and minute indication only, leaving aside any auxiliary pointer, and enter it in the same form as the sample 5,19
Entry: 2,10
